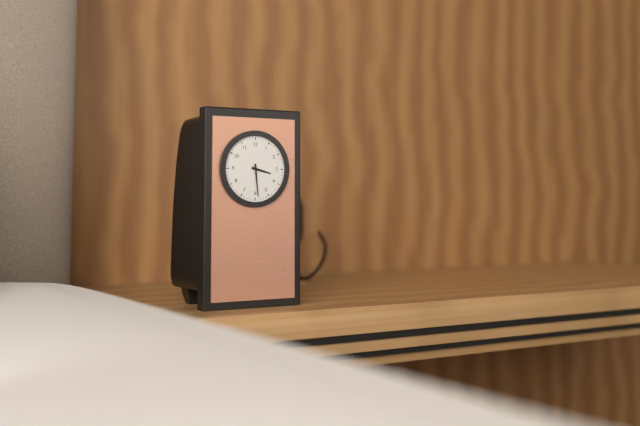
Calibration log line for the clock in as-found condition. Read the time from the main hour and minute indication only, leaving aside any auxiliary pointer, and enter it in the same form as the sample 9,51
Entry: 3,29
